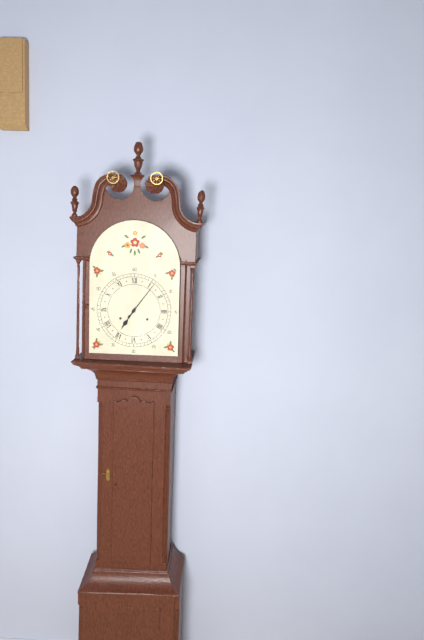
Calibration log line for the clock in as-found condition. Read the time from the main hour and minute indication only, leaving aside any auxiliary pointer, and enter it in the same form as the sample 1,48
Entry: 7,06
